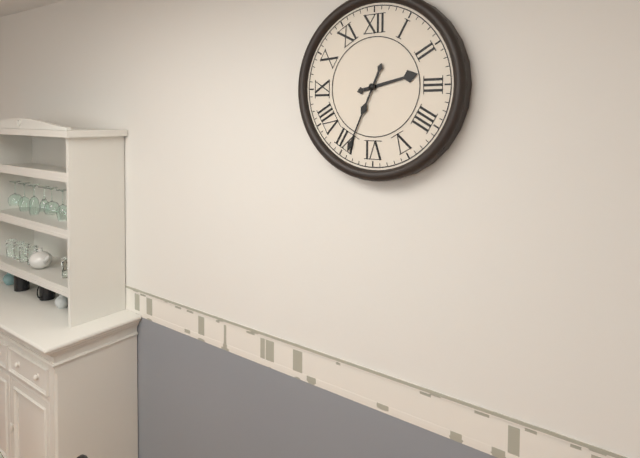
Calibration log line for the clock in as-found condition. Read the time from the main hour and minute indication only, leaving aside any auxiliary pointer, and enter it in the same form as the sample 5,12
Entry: 2,34
